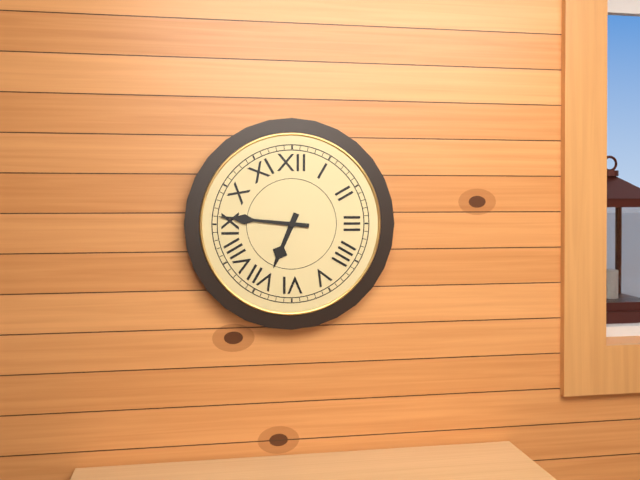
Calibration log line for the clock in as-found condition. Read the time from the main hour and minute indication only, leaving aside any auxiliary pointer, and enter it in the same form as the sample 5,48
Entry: 6,46
